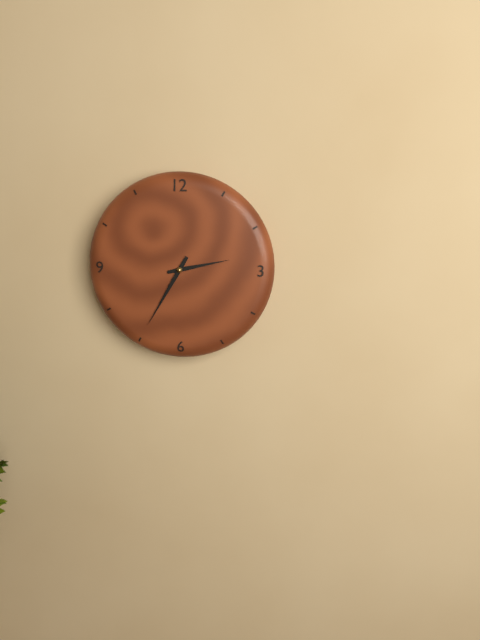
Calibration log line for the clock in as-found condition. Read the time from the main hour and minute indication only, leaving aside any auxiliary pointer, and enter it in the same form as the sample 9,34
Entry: 2,35
